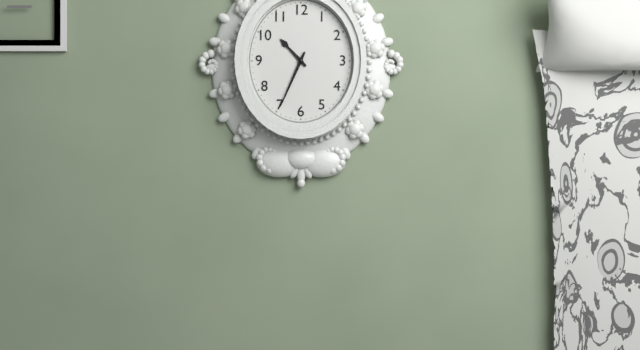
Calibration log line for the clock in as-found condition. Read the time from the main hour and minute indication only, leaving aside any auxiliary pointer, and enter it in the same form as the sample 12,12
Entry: 10,34
